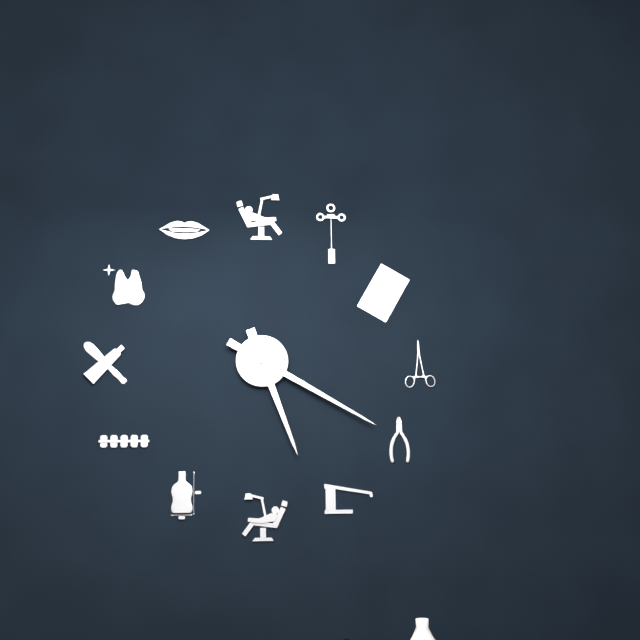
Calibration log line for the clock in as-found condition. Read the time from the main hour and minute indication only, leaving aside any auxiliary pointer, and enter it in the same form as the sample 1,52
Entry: 5,20
